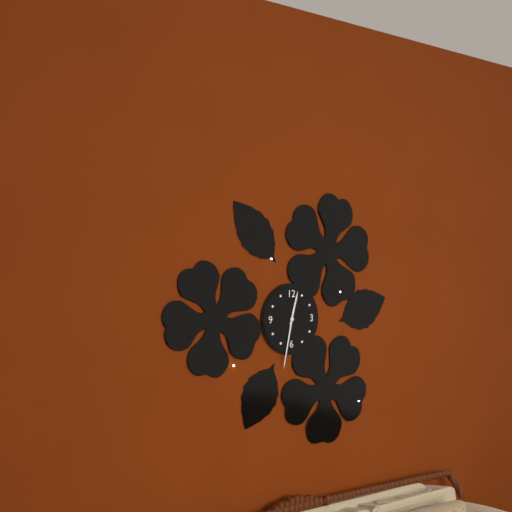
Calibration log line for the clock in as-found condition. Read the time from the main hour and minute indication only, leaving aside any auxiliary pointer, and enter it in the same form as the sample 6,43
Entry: 12,32
